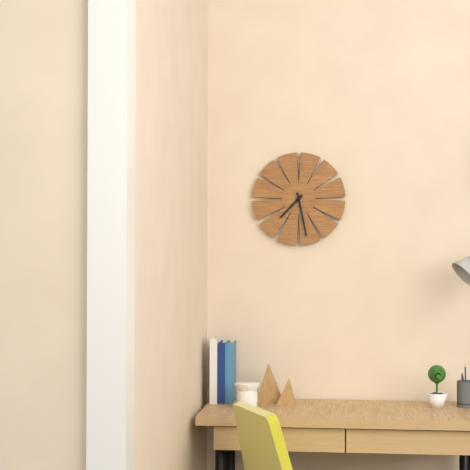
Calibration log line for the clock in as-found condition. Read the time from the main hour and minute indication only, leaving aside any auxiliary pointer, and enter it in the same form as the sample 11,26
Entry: 7,28
